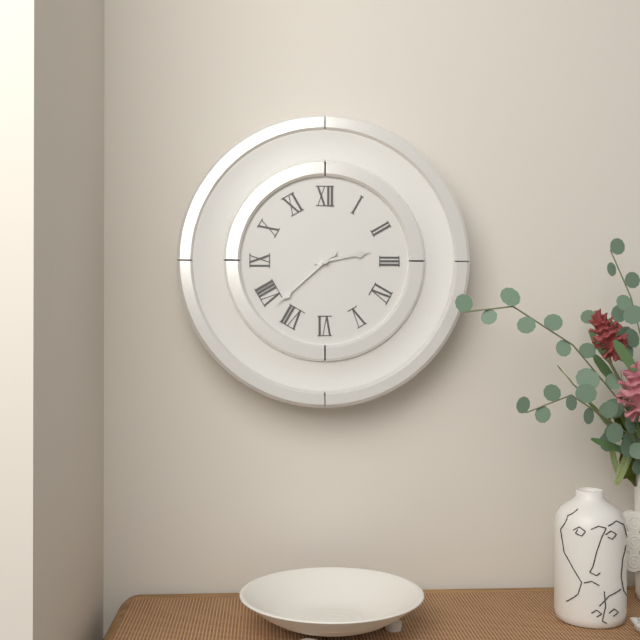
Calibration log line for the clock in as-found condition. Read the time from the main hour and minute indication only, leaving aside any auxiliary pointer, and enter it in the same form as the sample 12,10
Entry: 2,38
